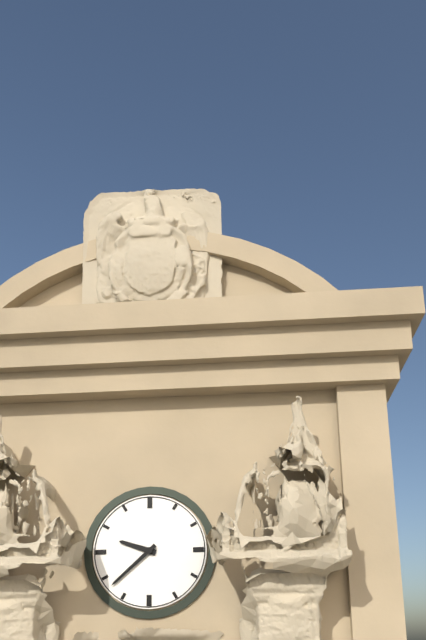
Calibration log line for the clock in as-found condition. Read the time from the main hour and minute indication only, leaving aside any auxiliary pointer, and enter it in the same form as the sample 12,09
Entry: 9,38
